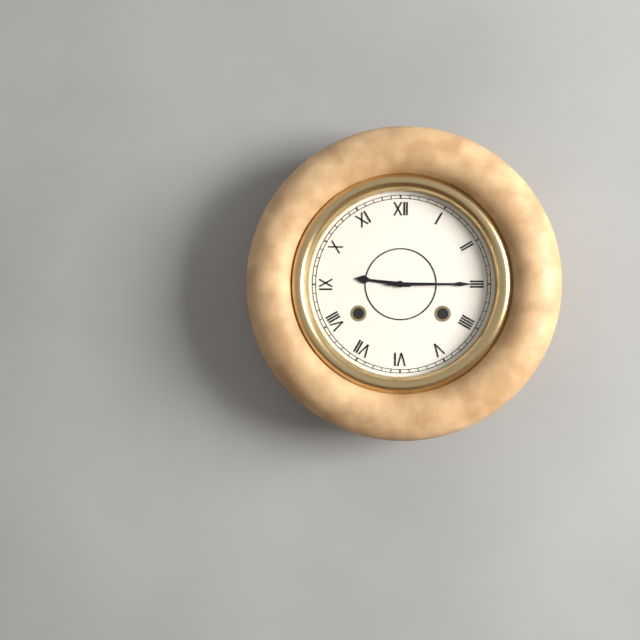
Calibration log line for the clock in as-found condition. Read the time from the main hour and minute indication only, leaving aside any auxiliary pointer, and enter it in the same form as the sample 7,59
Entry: 9,15
